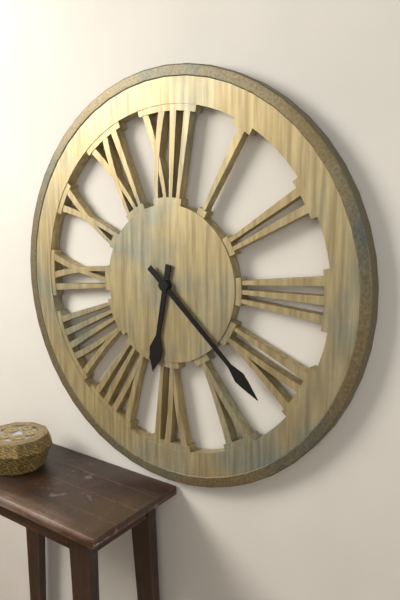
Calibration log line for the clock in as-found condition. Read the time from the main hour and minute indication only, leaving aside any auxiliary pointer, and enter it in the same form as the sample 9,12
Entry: 6,22
